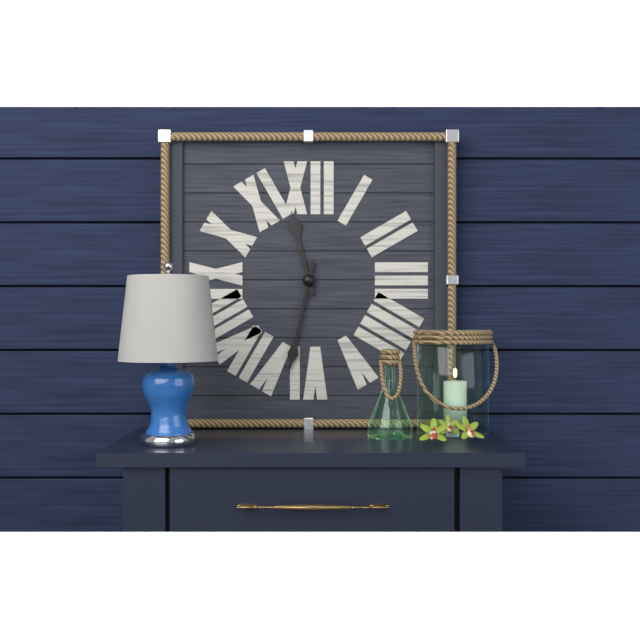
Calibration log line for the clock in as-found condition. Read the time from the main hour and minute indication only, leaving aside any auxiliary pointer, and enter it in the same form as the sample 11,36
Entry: 11,32
